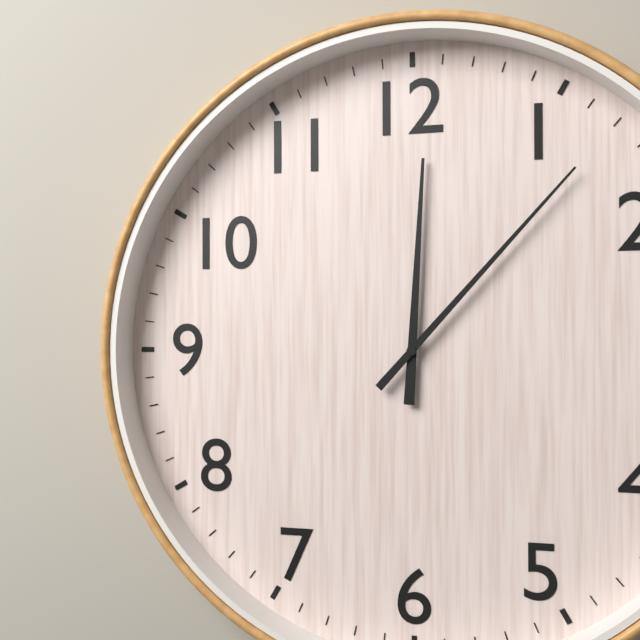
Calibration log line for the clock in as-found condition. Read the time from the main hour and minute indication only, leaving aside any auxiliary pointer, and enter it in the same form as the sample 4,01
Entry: 12,07
